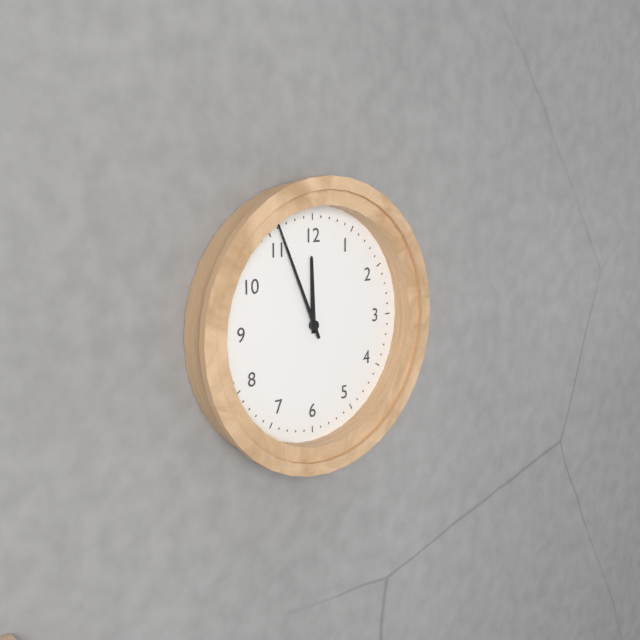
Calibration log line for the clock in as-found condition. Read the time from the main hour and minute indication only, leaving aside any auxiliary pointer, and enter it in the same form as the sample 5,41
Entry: 11,56
